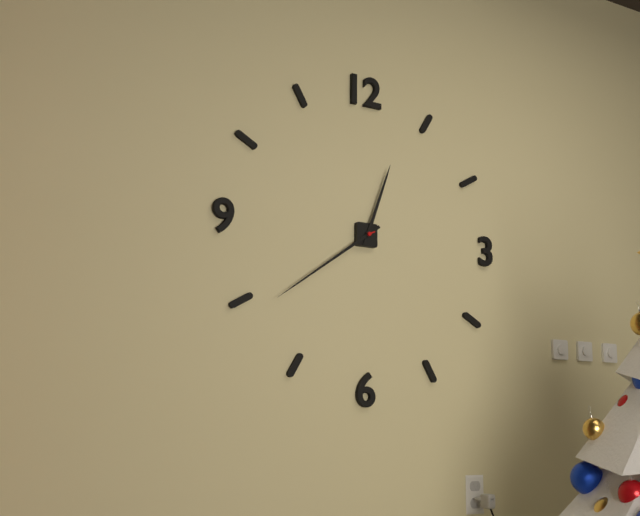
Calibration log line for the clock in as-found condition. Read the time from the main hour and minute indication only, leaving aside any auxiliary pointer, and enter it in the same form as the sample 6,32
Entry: 12,39
